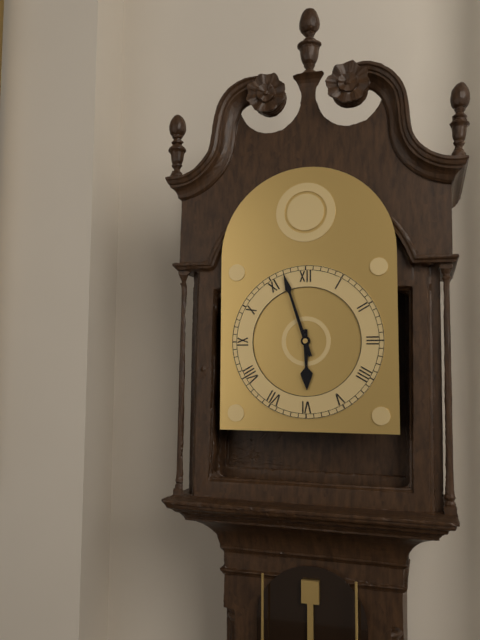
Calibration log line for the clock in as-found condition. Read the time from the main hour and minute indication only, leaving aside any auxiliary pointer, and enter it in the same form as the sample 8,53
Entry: 5,57
